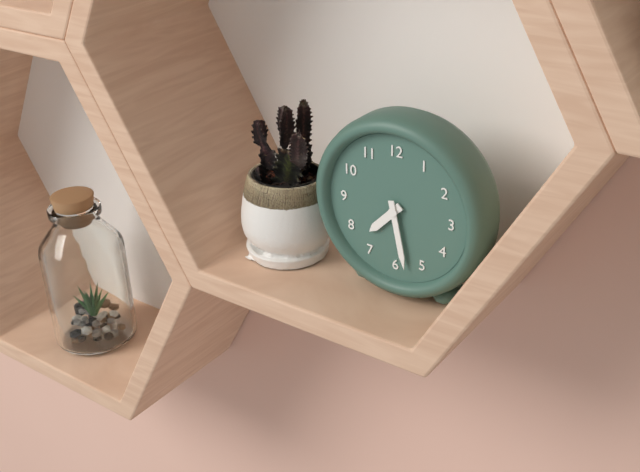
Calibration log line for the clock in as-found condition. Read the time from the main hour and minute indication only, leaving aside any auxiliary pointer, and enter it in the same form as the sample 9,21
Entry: 7,28
